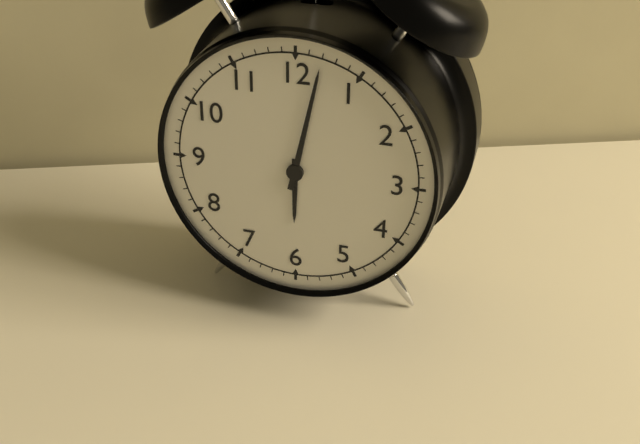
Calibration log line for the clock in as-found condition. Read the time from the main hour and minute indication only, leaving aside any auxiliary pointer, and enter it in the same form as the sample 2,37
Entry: 6,02
